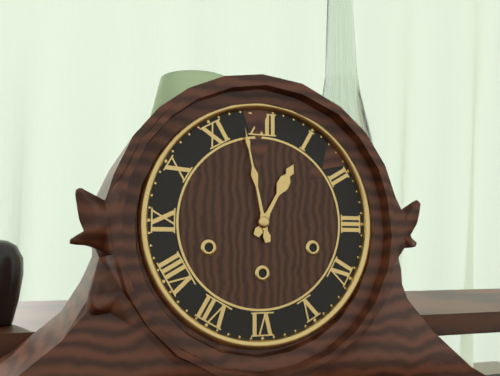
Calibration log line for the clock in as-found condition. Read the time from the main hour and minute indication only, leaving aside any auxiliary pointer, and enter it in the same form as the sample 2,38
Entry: 12,58
